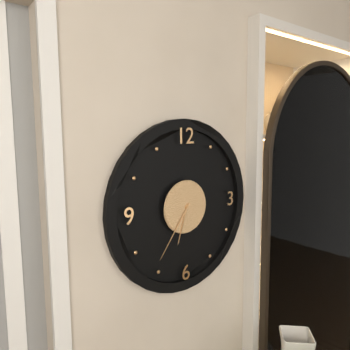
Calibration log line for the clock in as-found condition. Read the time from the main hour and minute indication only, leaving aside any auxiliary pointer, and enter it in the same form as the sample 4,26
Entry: 6,36
